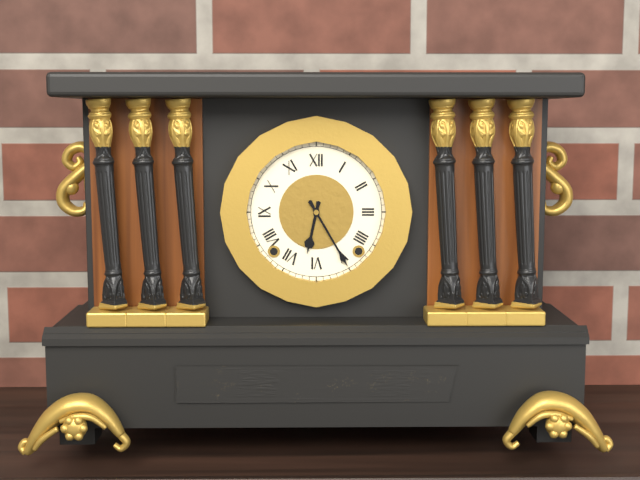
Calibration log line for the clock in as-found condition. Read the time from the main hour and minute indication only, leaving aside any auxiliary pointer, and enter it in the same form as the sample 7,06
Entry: 6,25
